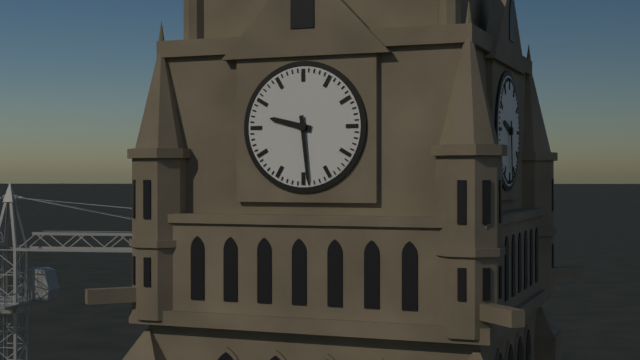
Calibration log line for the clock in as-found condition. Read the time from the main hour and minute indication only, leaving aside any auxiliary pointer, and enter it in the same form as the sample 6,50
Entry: 9,29
